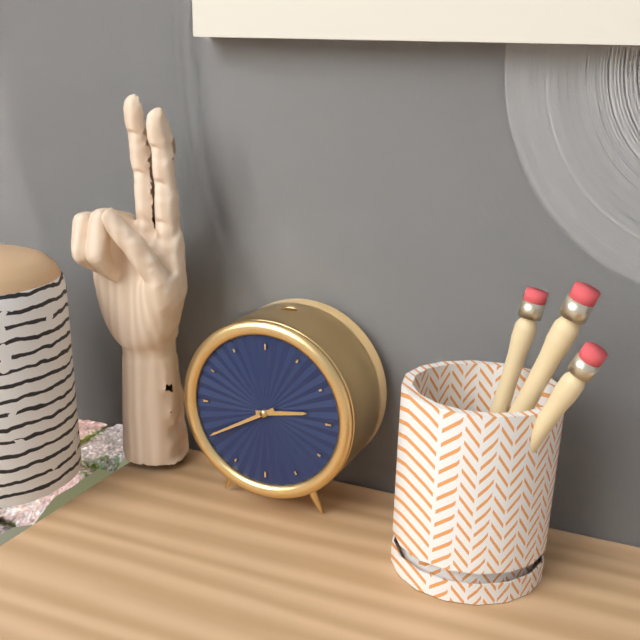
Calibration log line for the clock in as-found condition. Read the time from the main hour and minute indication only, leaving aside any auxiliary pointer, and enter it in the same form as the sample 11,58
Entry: 2,40
